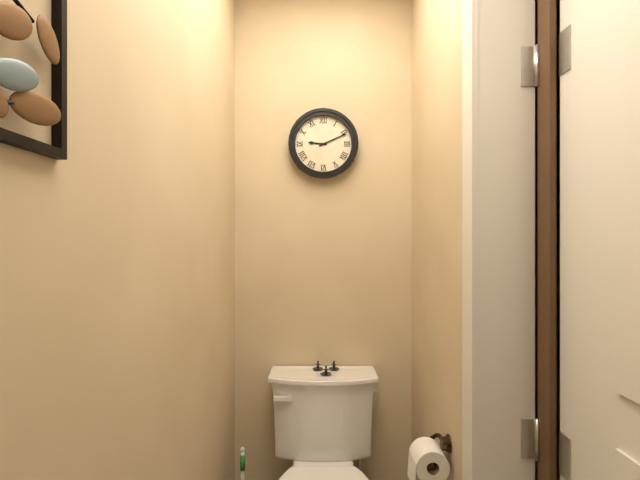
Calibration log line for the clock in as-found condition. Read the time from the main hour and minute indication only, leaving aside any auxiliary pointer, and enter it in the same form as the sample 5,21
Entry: 9,11
